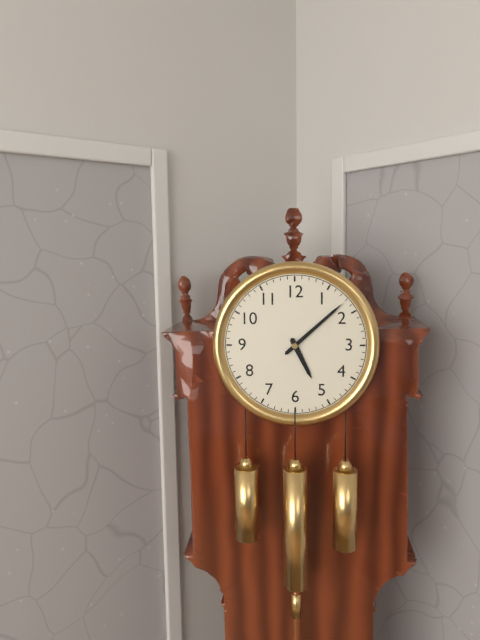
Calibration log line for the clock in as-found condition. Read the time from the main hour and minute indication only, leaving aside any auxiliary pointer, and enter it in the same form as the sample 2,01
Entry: 5,08
